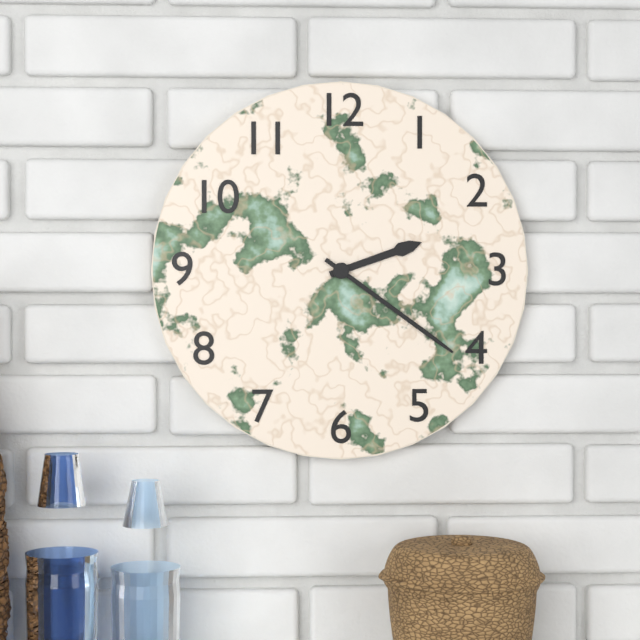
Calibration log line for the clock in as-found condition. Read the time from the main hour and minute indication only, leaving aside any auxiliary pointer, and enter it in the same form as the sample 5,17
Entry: 2,21
